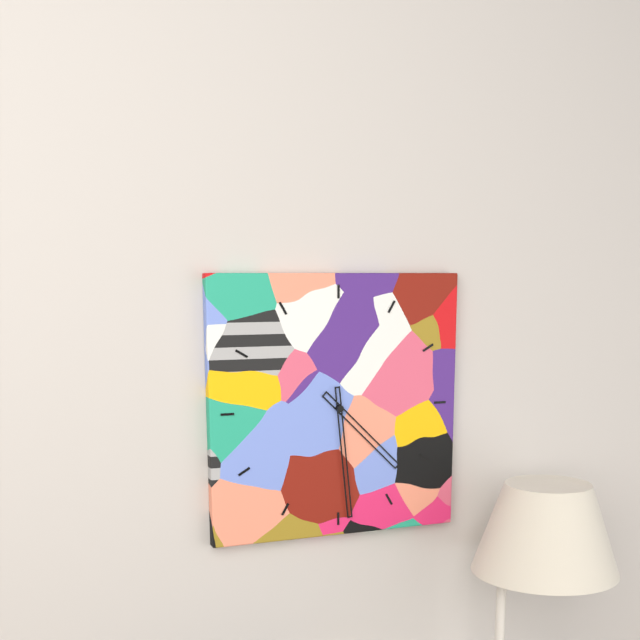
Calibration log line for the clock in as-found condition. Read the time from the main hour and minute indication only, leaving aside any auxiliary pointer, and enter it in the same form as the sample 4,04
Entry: 4,29
